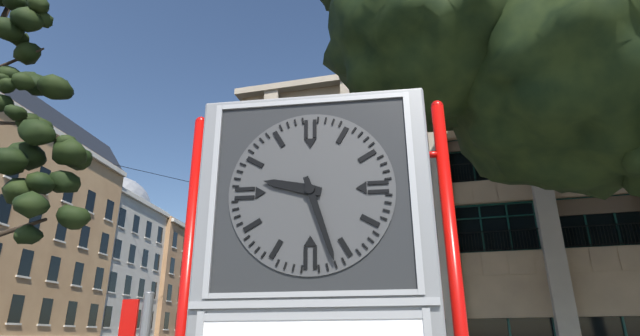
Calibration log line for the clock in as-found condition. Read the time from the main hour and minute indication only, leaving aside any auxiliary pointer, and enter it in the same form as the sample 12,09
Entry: 9,27
